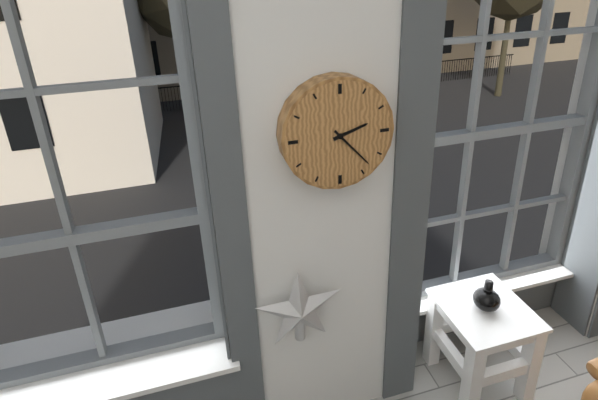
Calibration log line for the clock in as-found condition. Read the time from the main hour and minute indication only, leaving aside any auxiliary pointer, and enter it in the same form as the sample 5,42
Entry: 2,23
